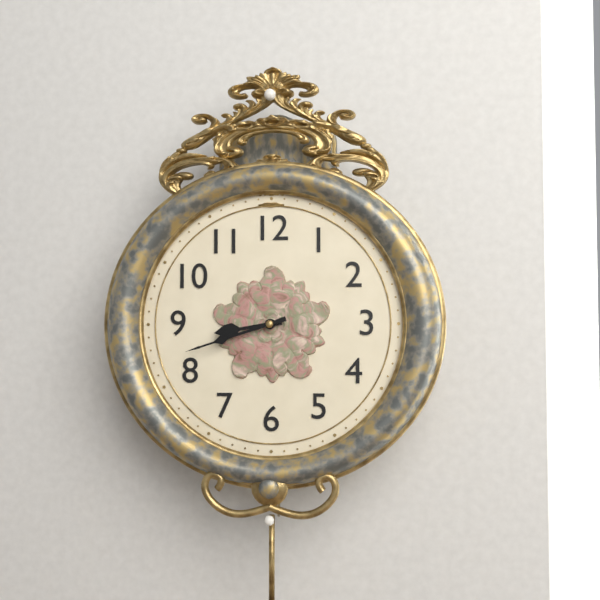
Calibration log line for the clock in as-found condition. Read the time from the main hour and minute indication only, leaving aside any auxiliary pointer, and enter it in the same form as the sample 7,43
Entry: 8,42
